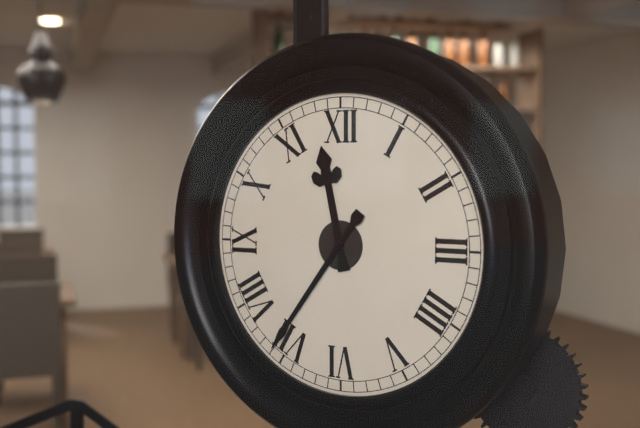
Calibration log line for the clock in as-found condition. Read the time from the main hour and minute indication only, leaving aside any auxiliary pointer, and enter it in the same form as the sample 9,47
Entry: 11,36
